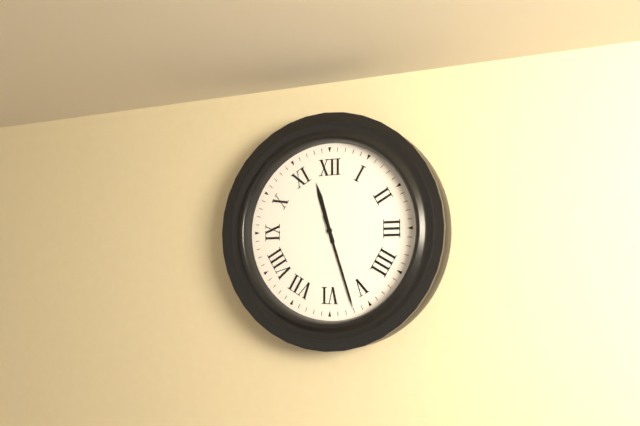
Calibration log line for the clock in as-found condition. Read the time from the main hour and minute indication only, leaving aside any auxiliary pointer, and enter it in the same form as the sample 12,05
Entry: 11,27
